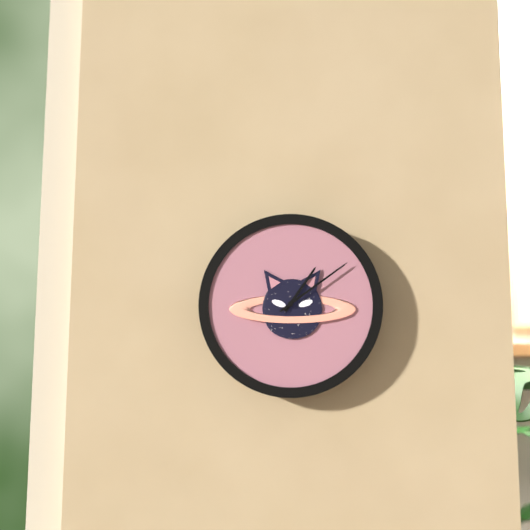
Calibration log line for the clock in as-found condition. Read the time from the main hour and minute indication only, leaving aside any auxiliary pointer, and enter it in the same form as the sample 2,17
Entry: 1,09
